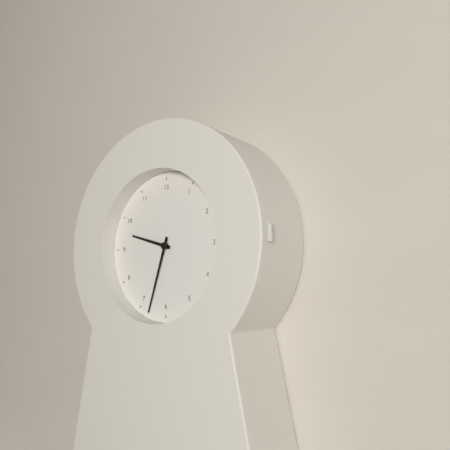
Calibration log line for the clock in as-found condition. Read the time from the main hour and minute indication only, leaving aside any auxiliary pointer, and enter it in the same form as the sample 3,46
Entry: 9,33
